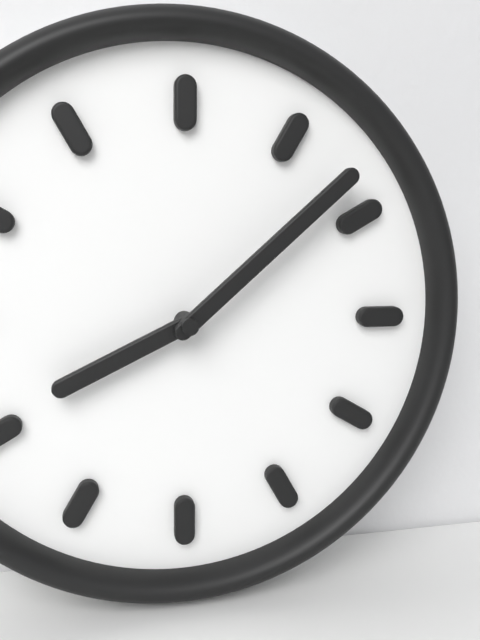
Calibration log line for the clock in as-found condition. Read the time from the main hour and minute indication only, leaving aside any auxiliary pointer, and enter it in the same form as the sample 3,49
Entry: 8,08
